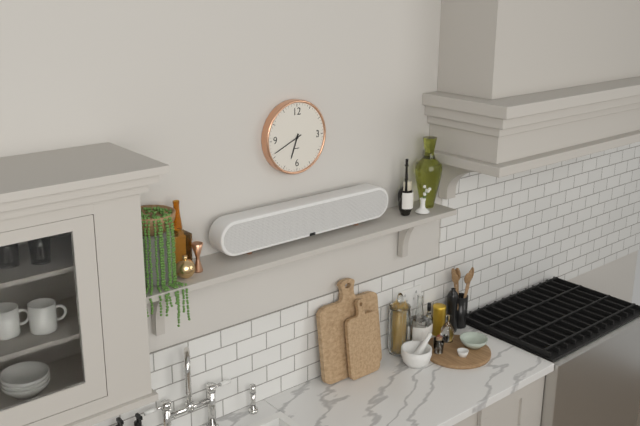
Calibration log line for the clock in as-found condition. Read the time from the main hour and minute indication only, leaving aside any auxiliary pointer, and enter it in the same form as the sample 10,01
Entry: 6,41
